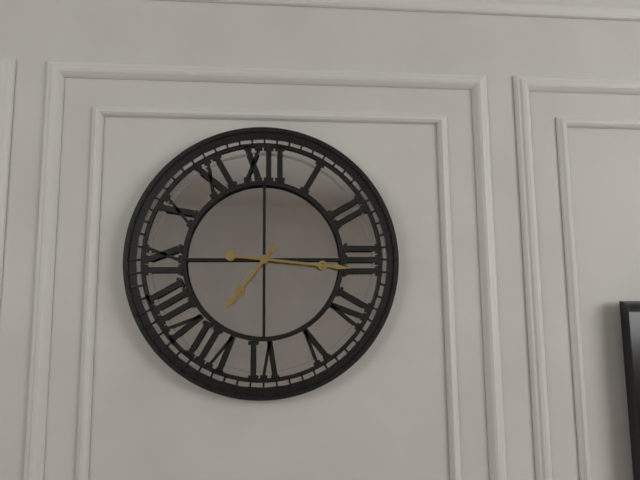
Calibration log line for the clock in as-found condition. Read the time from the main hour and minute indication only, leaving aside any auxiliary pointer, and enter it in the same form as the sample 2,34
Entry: 7,16
